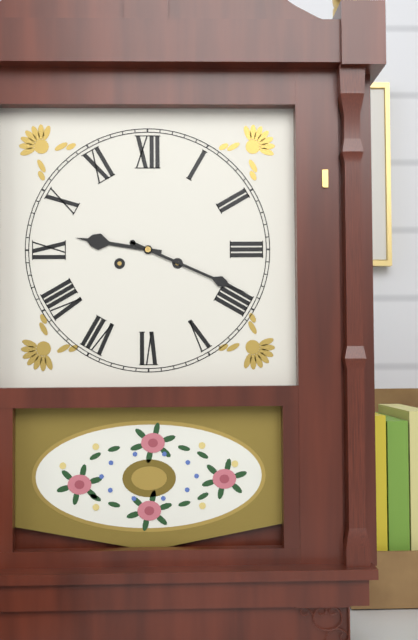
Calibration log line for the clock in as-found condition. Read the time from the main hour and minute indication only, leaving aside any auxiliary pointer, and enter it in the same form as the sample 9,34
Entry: 9,19
